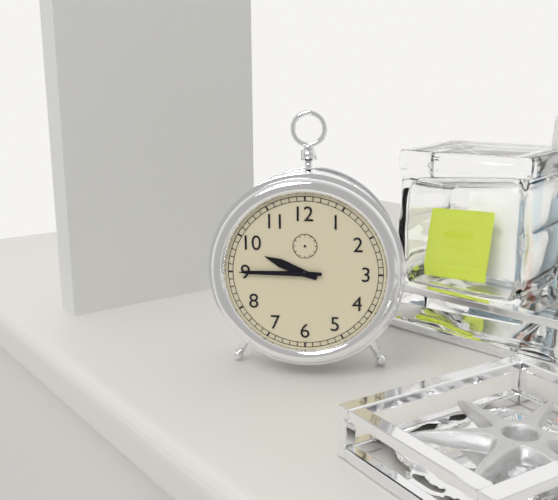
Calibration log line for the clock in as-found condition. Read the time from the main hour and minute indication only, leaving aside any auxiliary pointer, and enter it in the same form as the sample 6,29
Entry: 9,45
